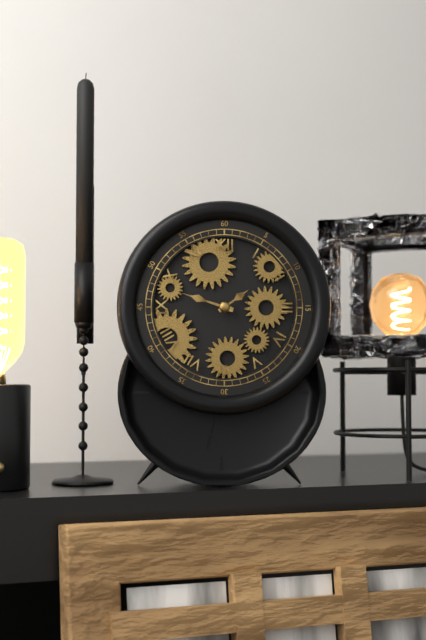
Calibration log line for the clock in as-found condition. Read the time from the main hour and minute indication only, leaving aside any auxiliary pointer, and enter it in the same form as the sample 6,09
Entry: 1,48
